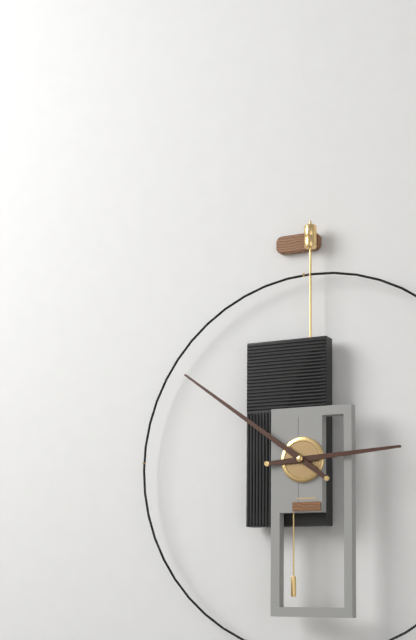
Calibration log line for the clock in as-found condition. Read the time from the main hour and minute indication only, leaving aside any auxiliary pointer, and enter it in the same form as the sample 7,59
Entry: 2,51
